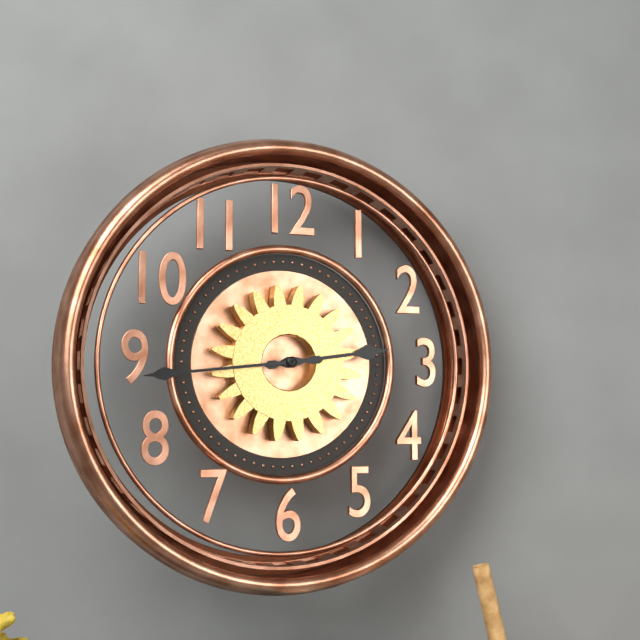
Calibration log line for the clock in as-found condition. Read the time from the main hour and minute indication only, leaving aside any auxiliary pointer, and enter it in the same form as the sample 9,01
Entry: 2,44
